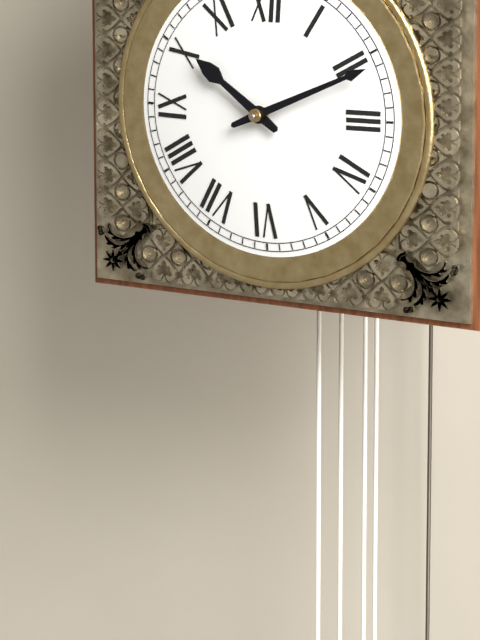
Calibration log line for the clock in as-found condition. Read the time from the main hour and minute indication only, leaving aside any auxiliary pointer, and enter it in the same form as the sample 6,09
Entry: 10,11
